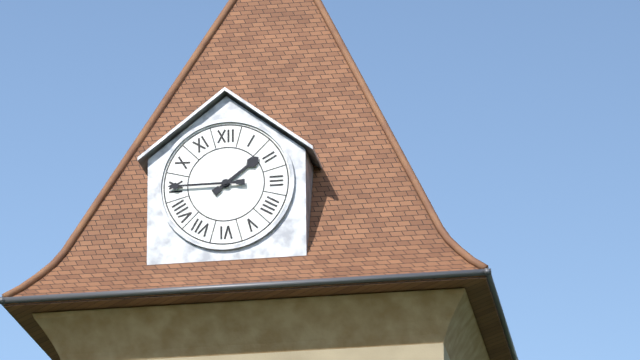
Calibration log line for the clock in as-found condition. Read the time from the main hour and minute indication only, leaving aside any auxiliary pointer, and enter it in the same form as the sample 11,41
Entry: 1,45
